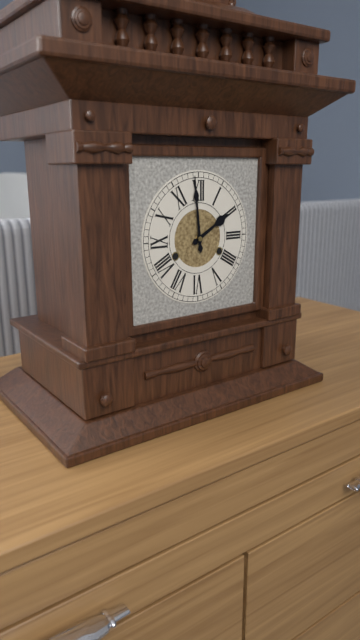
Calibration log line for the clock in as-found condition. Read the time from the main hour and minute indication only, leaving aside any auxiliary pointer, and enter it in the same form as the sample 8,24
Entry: 1,59
